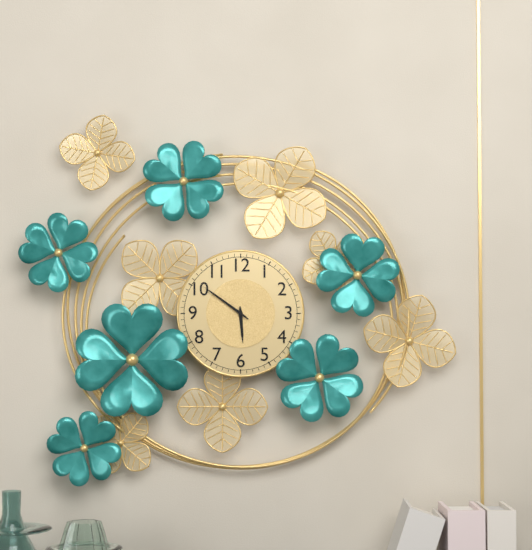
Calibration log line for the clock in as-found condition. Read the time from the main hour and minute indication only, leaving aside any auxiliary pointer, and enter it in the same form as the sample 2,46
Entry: 5,51
